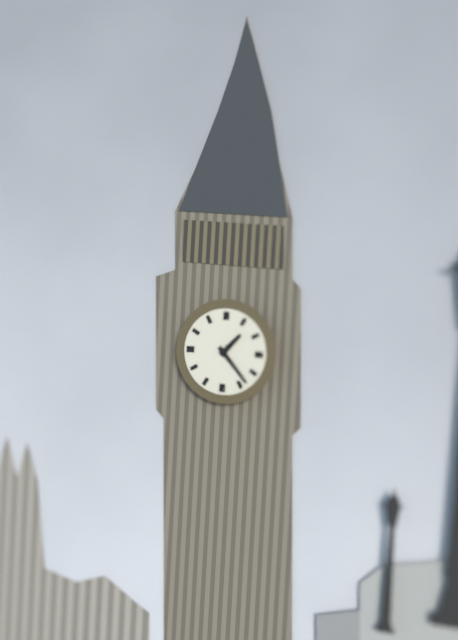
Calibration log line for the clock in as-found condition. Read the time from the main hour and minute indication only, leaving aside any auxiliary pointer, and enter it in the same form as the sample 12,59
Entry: 1,23
